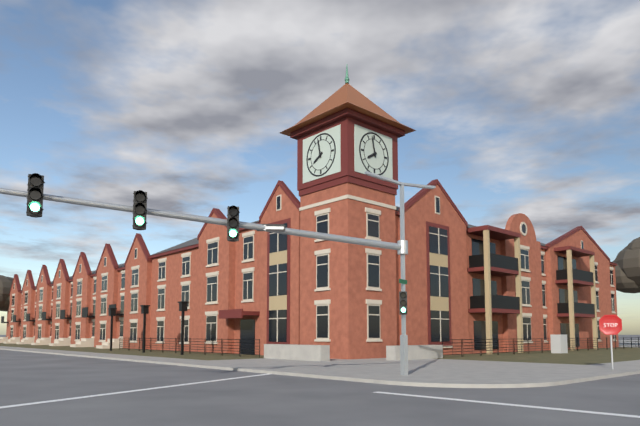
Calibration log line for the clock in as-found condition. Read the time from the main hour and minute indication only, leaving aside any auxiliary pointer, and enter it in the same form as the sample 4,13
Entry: 7,58
